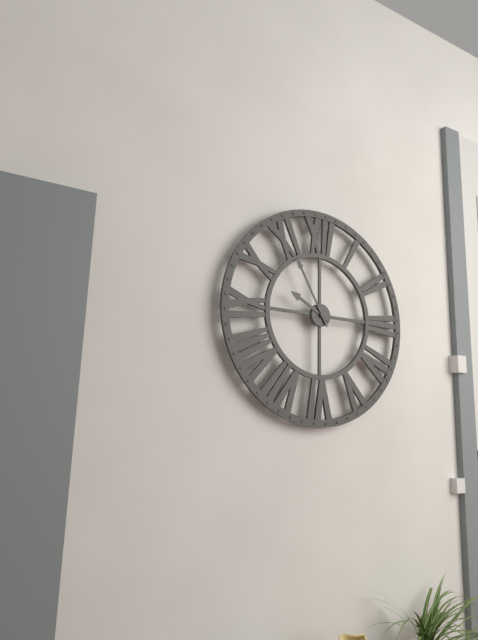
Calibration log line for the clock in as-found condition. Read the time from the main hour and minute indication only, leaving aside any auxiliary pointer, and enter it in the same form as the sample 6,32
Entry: 9,55
